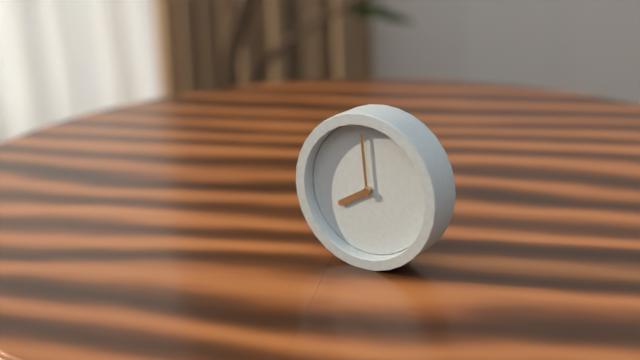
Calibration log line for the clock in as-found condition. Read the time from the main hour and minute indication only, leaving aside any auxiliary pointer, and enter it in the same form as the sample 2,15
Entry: 7,59
